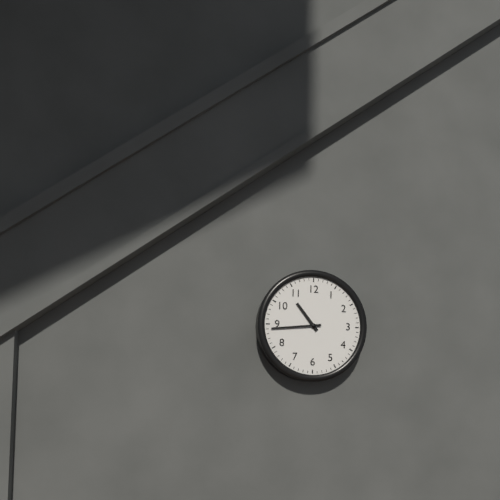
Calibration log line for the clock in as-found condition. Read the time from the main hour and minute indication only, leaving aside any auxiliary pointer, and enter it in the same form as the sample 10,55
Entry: 10,44
